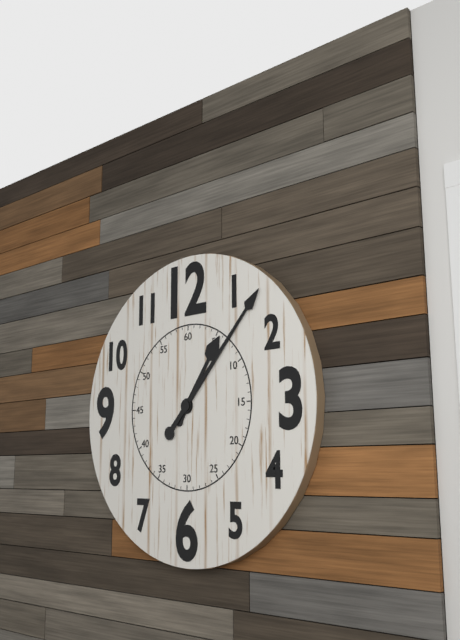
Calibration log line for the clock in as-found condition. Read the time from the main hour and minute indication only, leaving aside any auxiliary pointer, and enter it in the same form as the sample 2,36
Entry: 1,07
